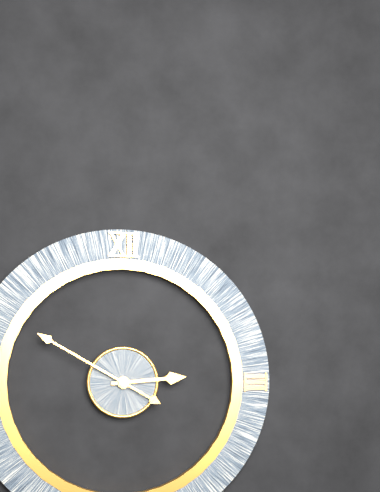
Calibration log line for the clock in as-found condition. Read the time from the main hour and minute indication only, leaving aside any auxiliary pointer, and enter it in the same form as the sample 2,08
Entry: 2,50
